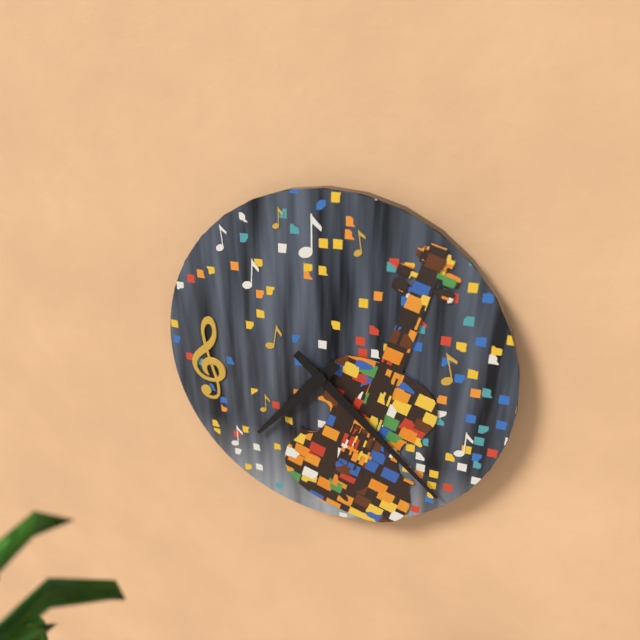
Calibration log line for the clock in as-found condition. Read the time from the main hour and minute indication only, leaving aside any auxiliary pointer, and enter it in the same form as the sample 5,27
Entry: 7,22
